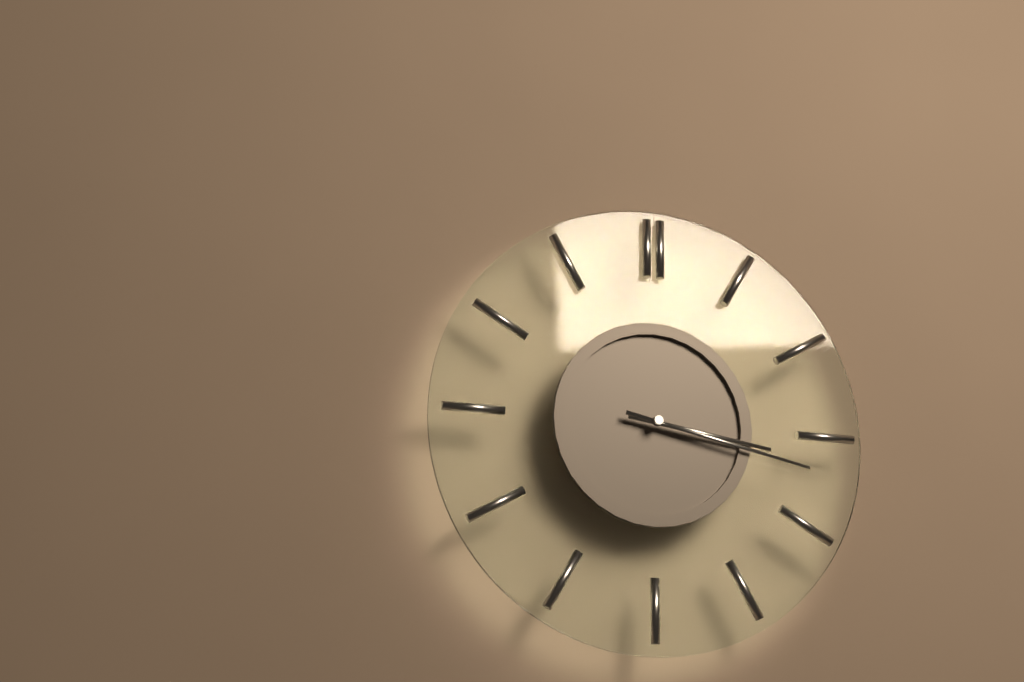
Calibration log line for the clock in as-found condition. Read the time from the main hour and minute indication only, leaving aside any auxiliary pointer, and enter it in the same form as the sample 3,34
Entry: 3,17
